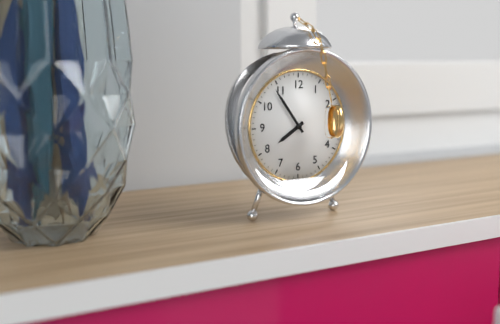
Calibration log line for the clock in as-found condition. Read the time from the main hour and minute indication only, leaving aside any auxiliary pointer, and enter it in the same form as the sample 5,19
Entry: 7,54
